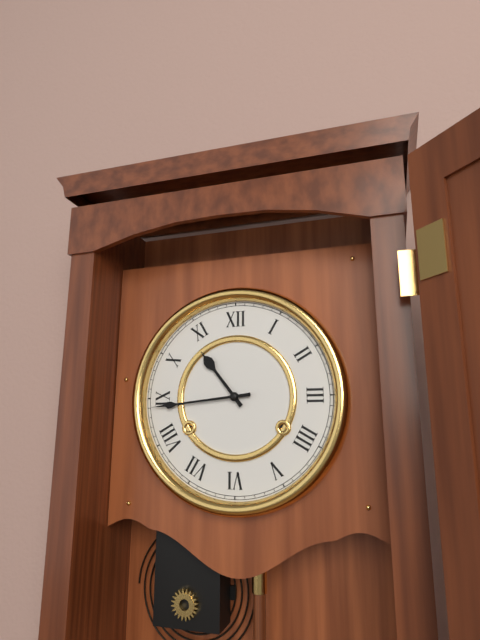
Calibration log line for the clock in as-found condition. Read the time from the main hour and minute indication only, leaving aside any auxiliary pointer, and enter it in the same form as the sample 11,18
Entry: 10,44
